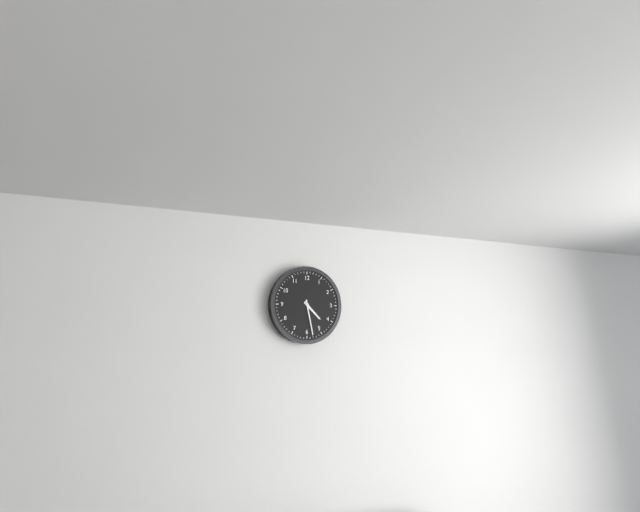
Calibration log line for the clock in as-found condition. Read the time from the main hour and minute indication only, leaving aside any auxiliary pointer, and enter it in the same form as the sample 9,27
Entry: 4,28
